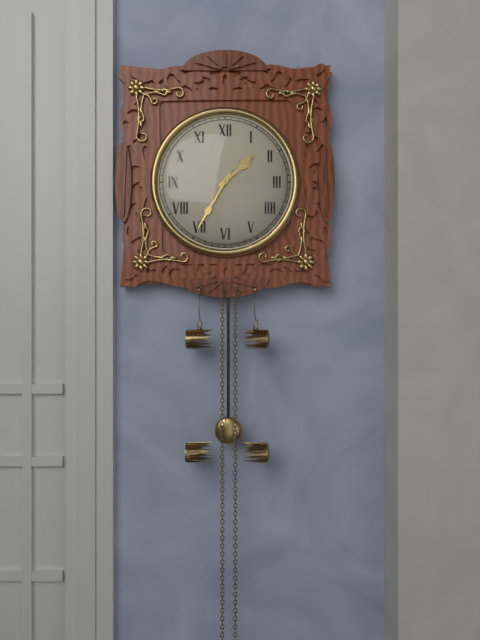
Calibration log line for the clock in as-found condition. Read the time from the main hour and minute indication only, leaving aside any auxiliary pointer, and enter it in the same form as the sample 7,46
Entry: 1,35
